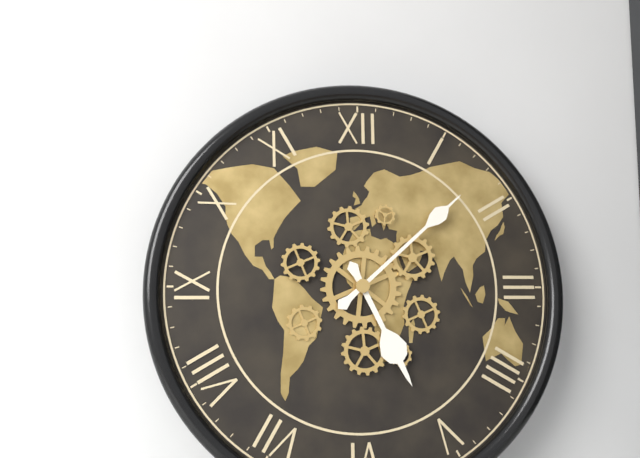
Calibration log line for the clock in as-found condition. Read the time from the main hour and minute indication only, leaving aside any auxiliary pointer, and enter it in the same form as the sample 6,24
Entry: 5,08
